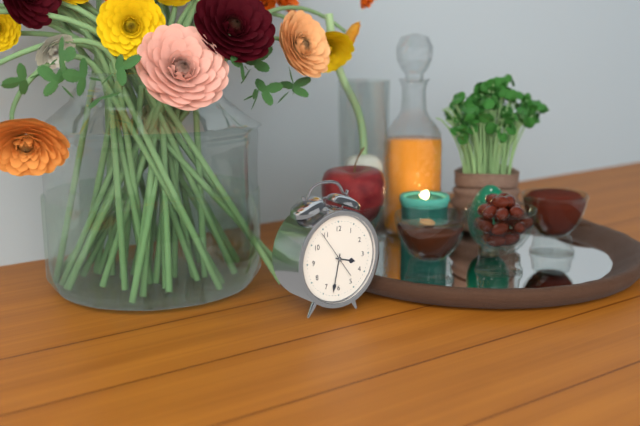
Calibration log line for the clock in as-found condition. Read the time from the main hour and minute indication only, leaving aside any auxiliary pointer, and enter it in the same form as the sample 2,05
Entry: 3,32
